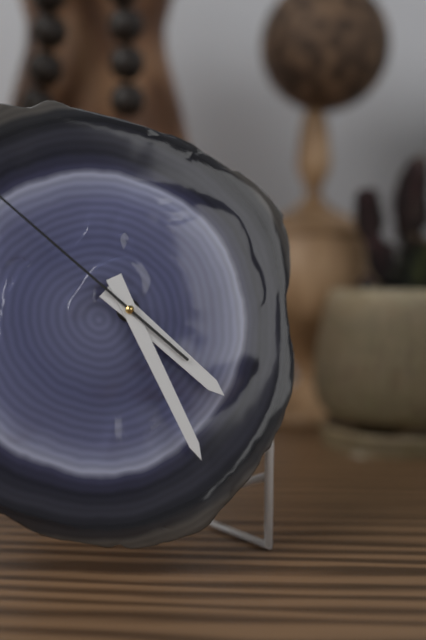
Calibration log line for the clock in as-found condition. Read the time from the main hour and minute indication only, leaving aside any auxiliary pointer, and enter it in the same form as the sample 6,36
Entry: 4,26
